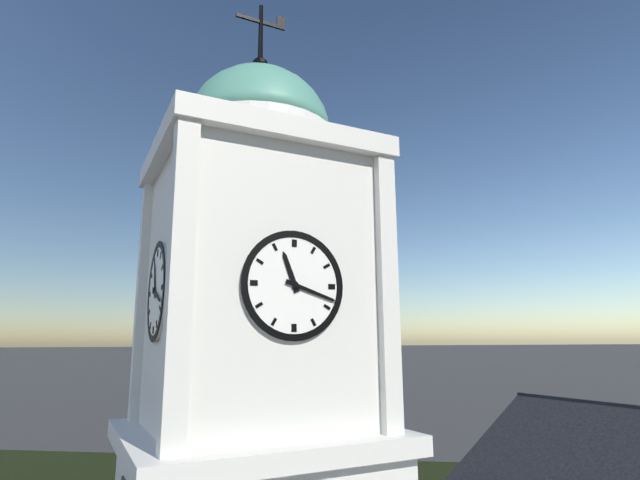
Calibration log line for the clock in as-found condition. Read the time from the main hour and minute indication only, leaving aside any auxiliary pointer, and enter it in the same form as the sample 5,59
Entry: 11,18
